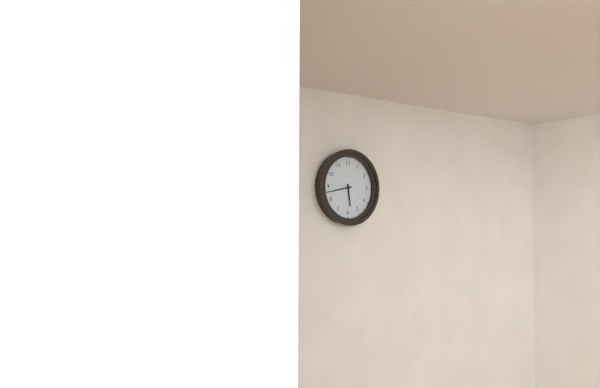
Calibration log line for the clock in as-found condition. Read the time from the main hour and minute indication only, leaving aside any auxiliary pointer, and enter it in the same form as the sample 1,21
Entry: 5,43
